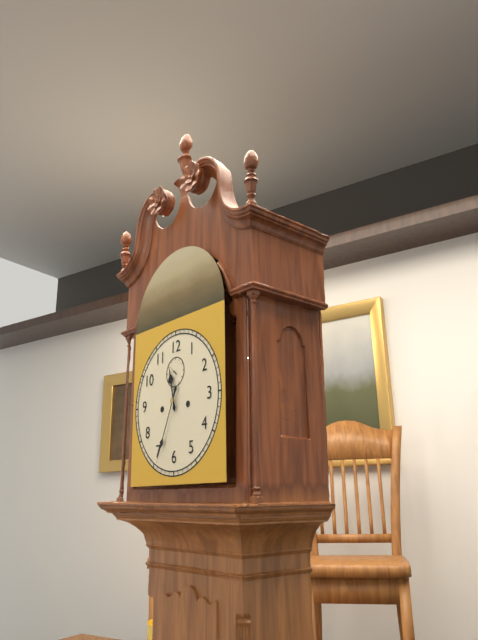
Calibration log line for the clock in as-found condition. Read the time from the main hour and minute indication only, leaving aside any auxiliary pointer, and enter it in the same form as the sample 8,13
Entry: 11,34
